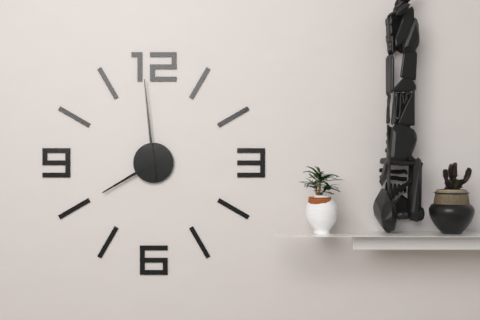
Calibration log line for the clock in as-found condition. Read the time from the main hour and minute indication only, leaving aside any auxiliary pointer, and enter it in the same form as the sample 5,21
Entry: 7,59
